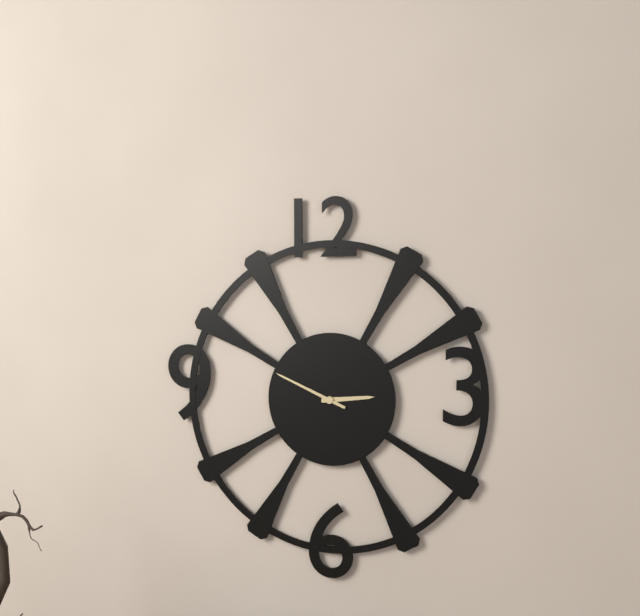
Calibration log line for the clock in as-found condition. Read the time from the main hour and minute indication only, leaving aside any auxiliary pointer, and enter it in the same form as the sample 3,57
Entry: 2,49
